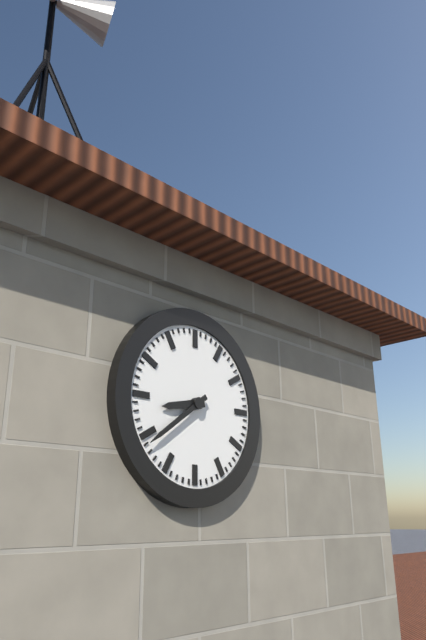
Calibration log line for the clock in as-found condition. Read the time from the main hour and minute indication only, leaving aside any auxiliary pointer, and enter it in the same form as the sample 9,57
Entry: 8,39
